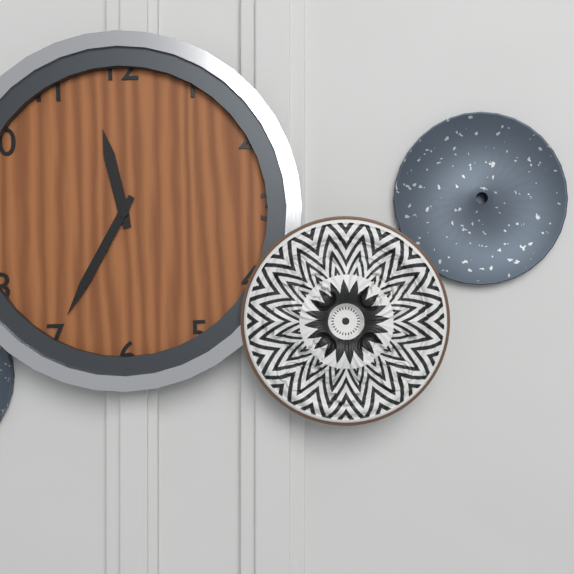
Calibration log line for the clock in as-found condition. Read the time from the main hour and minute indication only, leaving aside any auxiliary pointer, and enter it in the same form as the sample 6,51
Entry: 11,35
